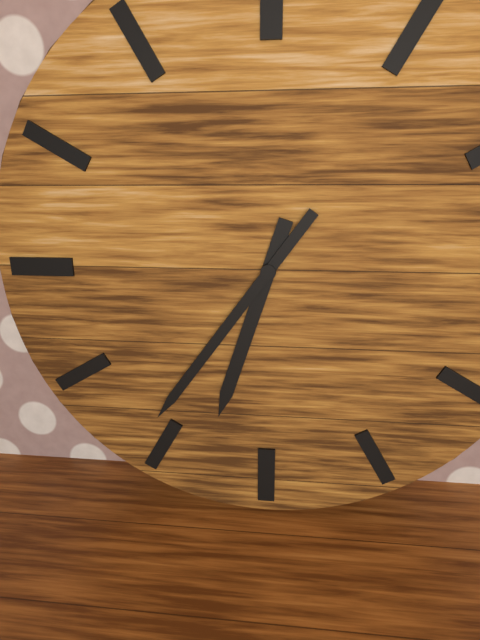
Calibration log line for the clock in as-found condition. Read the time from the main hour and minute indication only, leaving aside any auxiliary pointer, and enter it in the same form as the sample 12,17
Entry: 6,36
